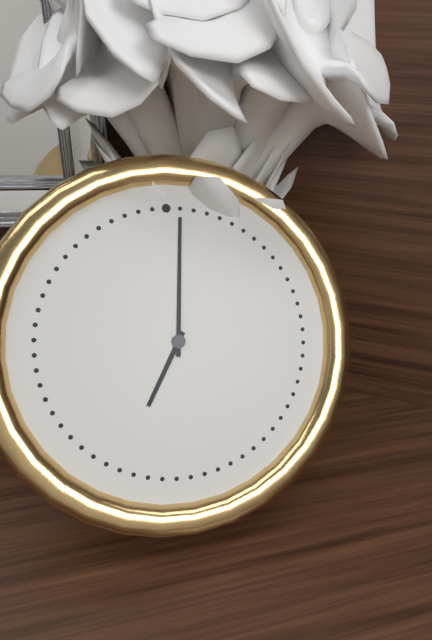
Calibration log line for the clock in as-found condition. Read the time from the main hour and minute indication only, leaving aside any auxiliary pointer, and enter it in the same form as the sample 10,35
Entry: 7,01
